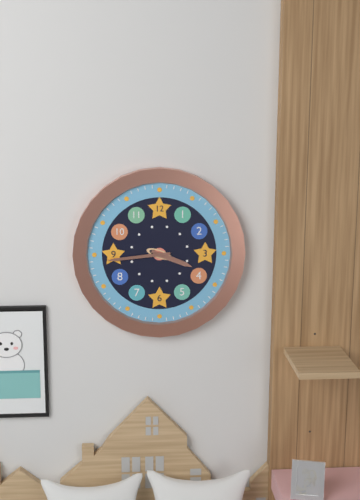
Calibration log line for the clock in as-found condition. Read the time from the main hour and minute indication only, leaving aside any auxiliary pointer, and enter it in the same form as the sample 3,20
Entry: 3,44
